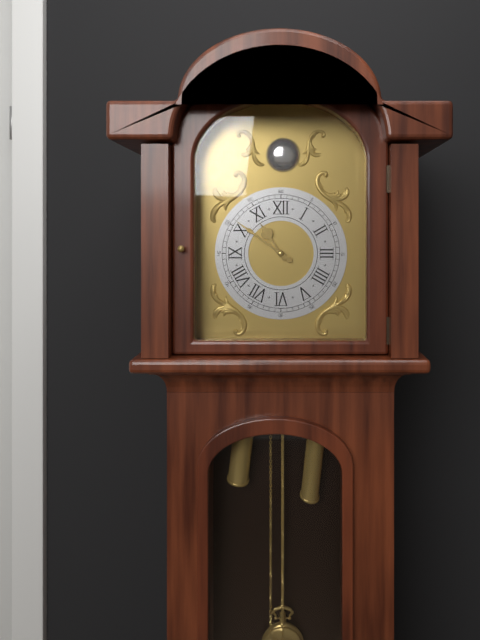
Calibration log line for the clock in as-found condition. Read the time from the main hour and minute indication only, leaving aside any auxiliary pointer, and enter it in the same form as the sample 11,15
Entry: 10,51
